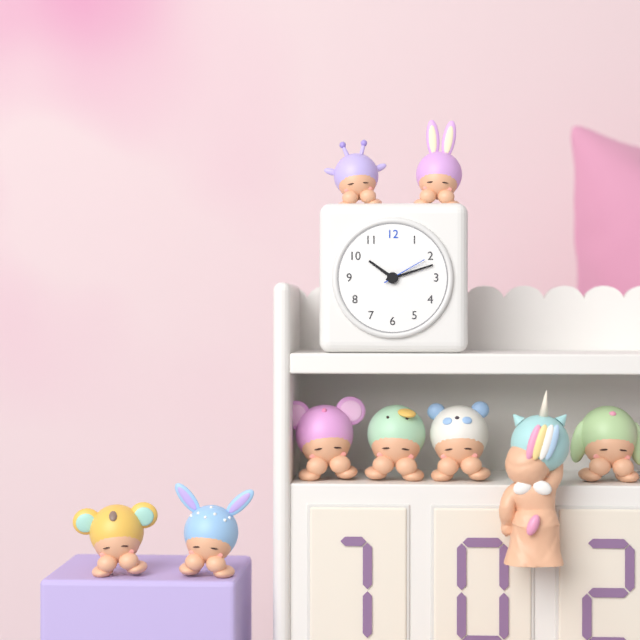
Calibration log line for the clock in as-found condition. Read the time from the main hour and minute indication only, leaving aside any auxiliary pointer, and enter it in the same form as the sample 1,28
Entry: 10,12
